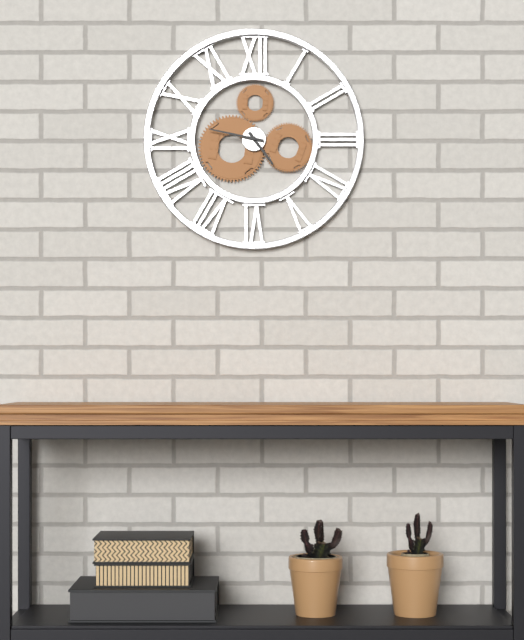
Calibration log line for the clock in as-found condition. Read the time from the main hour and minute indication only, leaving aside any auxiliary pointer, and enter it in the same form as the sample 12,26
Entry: 4,47
